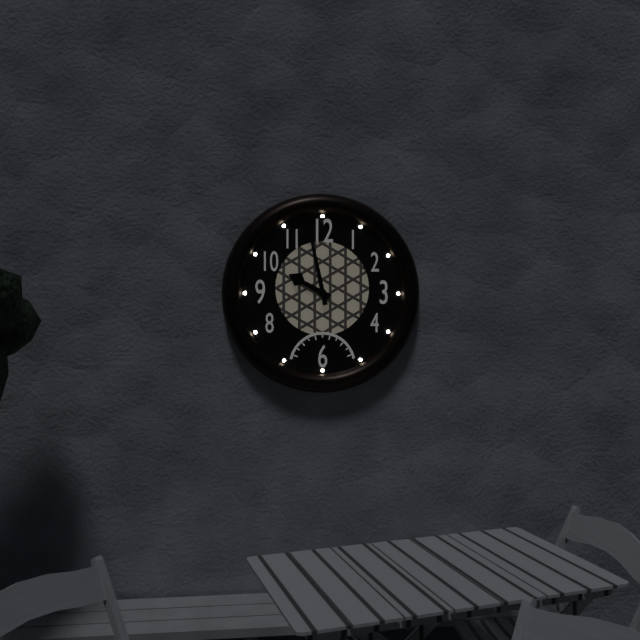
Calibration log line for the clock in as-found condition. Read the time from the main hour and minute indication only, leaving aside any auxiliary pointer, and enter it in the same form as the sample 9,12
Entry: 9,58
